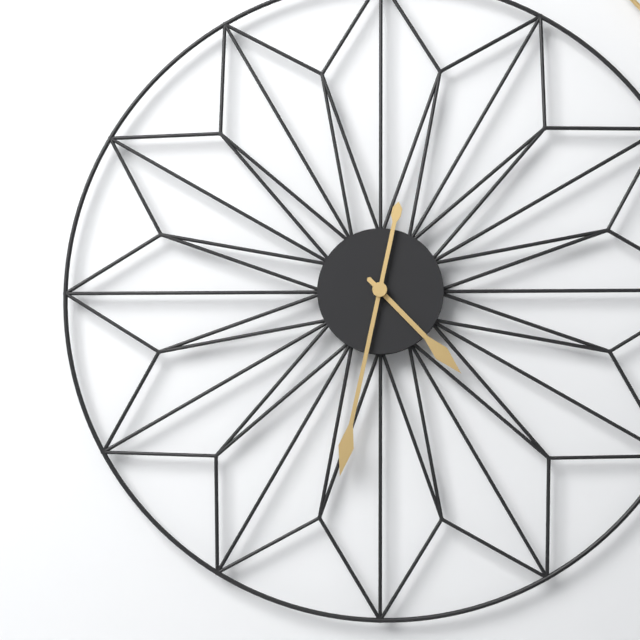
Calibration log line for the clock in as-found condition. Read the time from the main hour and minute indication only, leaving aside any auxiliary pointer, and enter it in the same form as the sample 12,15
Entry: 4,32
